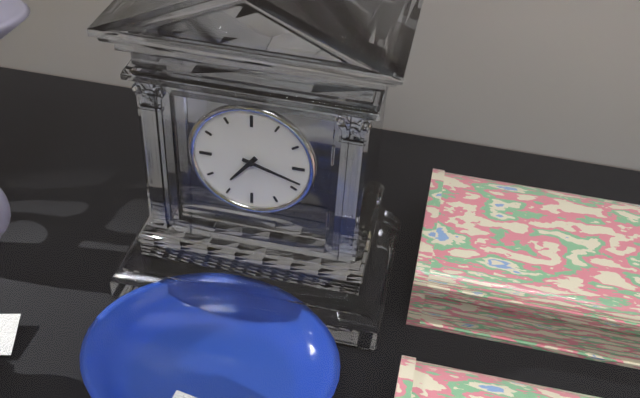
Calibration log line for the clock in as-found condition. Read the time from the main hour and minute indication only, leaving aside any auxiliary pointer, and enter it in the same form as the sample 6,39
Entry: 7,18
